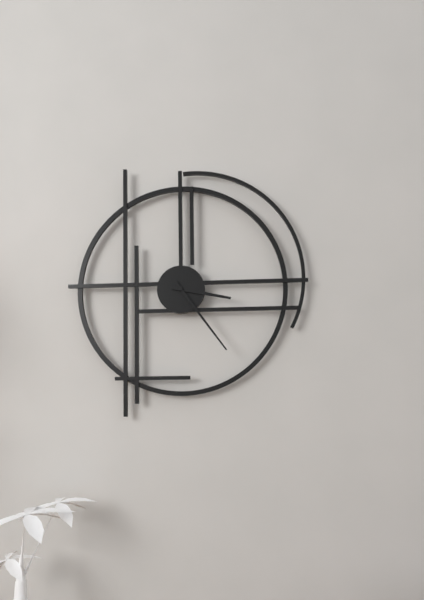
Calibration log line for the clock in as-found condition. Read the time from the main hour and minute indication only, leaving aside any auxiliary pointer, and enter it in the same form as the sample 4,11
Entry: 3,24
